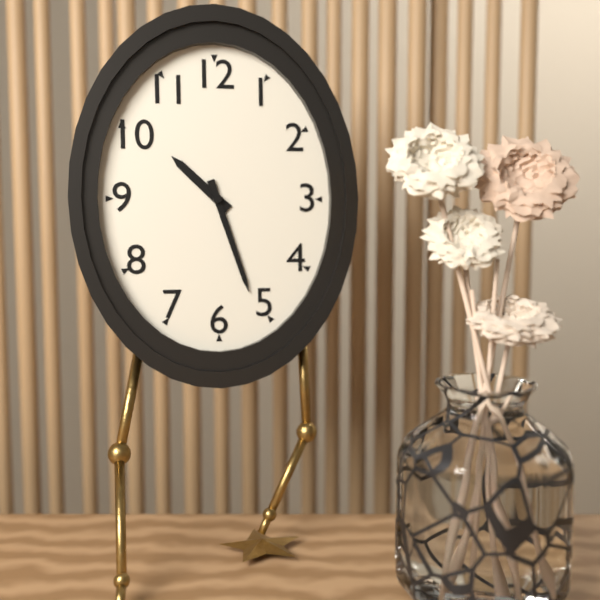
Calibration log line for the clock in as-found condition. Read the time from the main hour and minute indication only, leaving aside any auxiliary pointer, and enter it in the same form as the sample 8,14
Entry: 10,27
